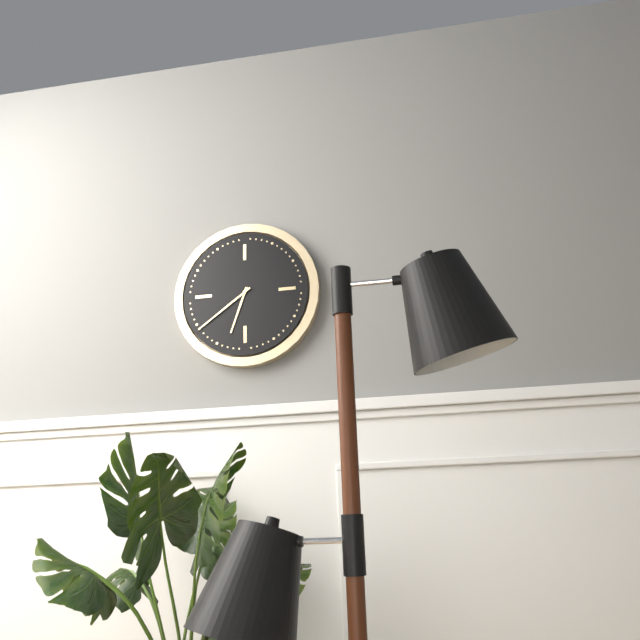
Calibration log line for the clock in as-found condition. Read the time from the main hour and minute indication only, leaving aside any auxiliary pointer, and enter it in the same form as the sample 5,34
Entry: 6,39
